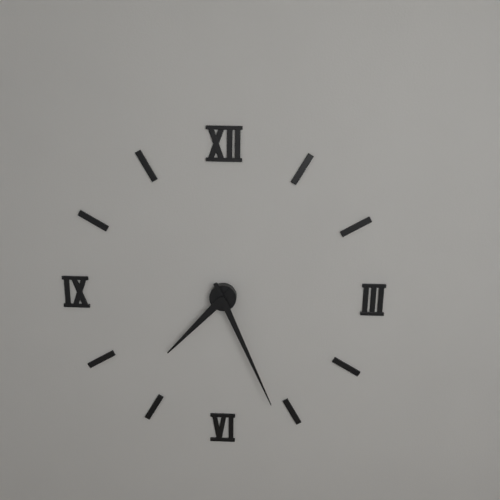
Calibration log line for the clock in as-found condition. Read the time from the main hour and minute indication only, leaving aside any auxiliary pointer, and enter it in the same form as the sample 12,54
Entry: 7,26
